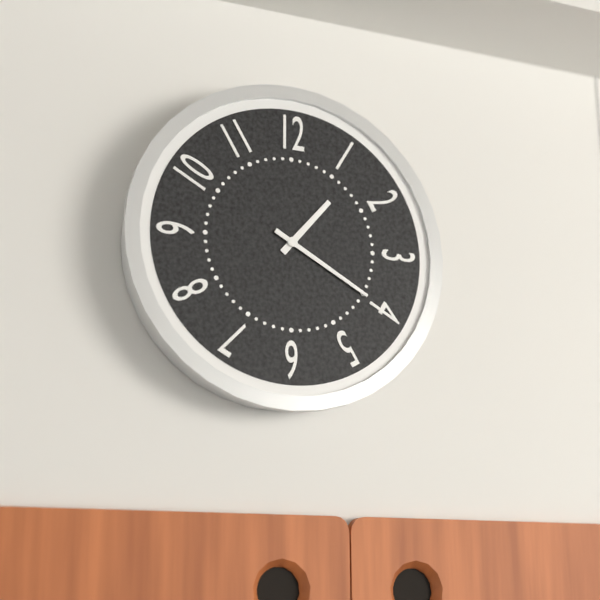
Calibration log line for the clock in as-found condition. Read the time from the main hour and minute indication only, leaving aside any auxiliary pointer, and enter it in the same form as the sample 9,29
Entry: 1,20
